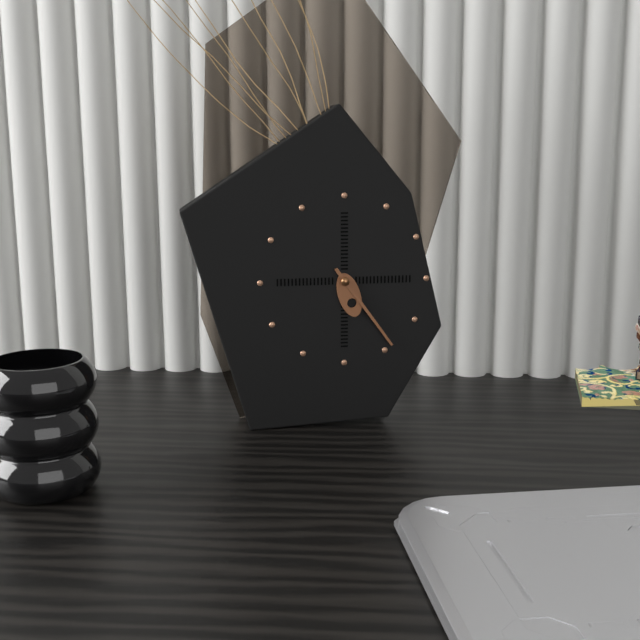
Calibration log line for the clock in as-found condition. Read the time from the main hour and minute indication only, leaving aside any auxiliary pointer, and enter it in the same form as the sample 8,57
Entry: 5,24
